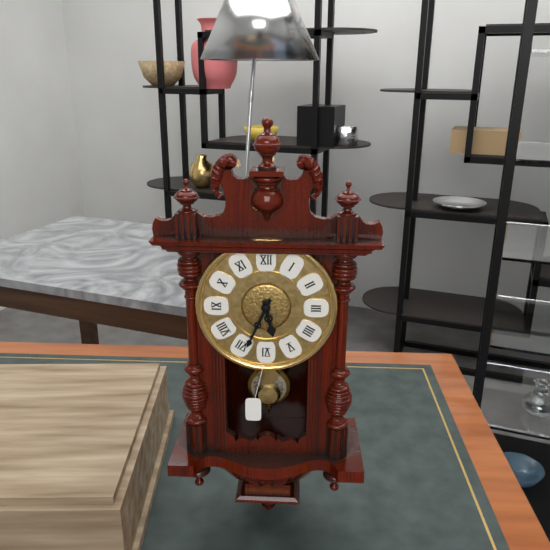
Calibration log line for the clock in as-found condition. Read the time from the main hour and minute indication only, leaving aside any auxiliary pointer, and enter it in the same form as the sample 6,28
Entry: 5,34
